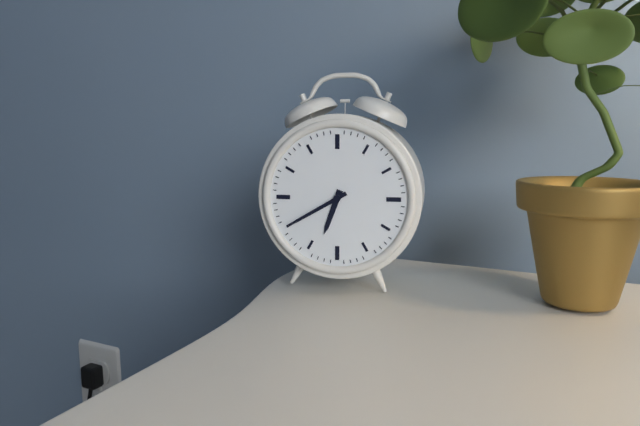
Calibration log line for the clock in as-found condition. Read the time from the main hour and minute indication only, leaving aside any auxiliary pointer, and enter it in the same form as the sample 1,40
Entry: 6,40
